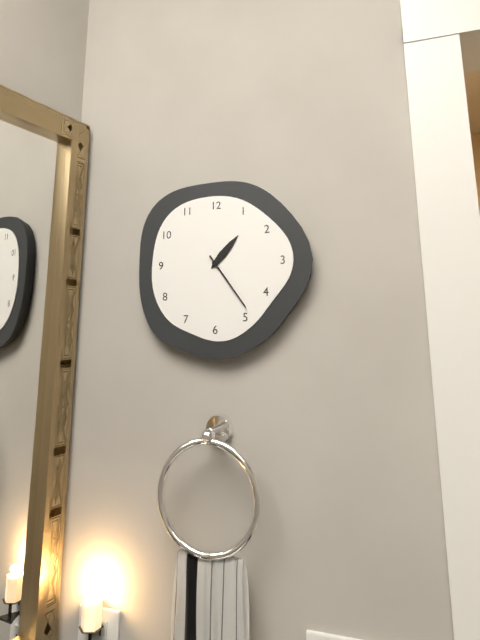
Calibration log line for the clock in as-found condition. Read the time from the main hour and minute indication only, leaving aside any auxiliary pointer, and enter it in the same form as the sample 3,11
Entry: 1,24
